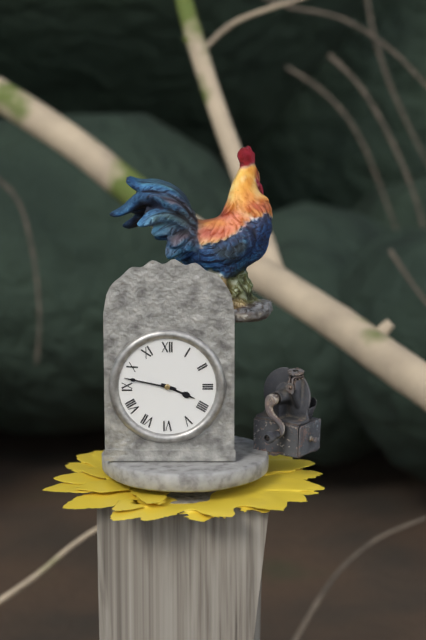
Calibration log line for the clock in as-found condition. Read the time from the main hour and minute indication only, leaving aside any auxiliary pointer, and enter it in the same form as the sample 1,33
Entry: 3,47
